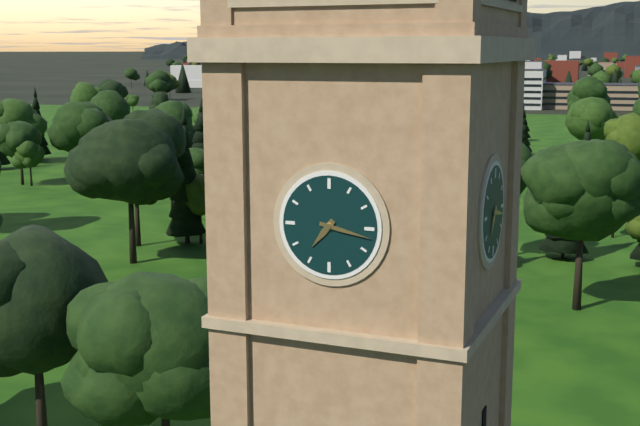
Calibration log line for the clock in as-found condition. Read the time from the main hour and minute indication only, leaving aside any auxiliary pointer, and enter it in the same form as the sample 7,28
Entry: 7,17
